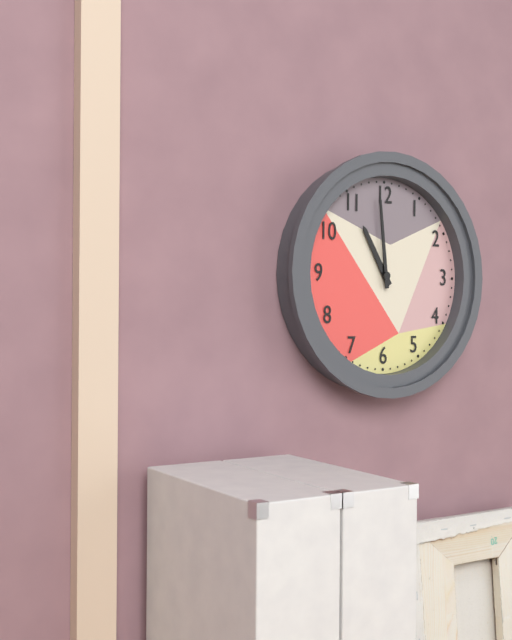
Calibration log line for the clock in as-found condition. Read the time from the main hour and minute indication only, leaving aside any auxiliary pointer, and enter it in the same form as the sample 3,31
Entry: 10,59
